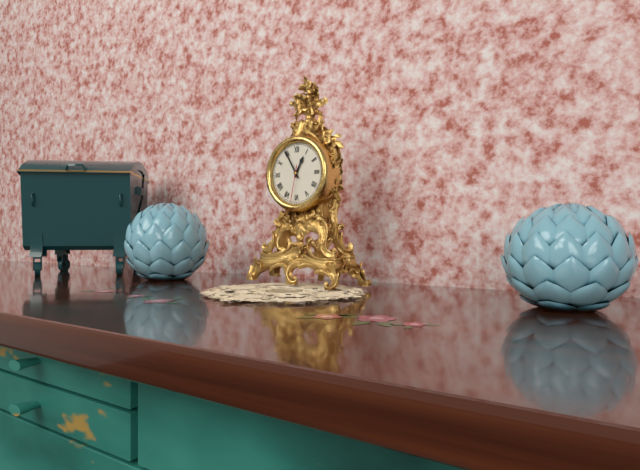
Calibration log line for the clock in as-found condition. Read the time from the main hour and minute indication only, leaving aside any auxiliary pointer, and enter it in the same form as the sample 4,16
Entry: 12,55
